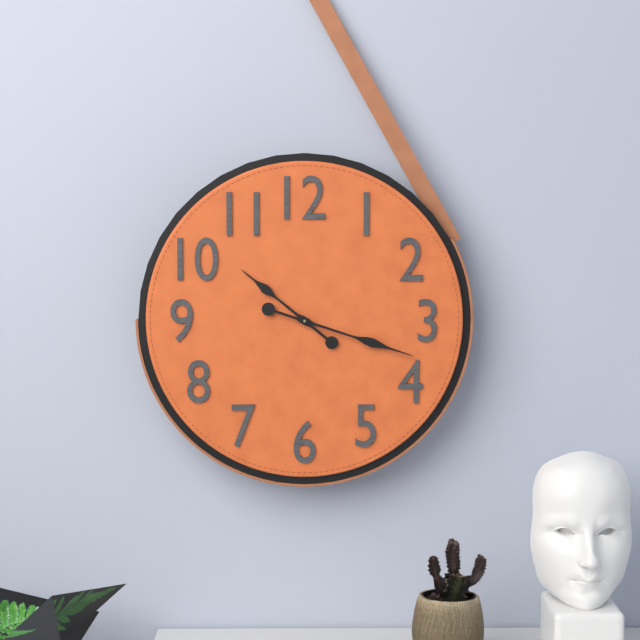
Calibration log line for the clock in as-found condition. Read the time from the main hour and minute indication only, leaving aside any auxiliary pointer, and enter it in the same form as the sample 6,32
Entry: 10,18
